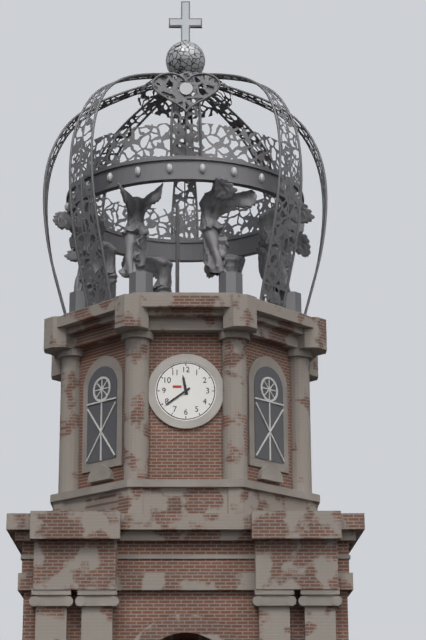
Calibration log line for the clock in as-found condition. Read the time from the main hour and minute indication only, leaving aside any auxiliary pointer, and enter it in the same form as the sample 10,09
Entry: 11,39
